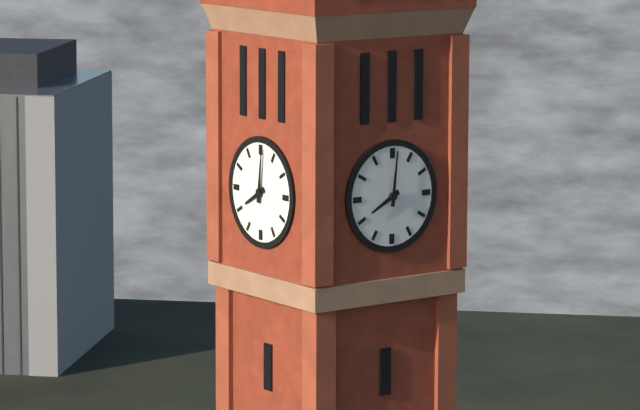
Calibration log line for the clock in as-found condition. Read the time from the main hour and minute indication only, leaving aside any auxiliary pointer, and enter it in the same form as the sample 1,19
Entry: 8,01
